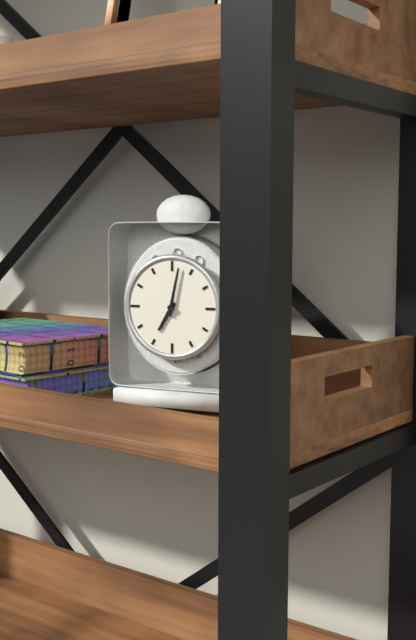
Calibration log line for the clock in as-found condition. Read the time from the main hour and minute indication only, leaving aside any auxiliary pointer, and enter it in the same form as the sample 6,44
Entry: 7,02
